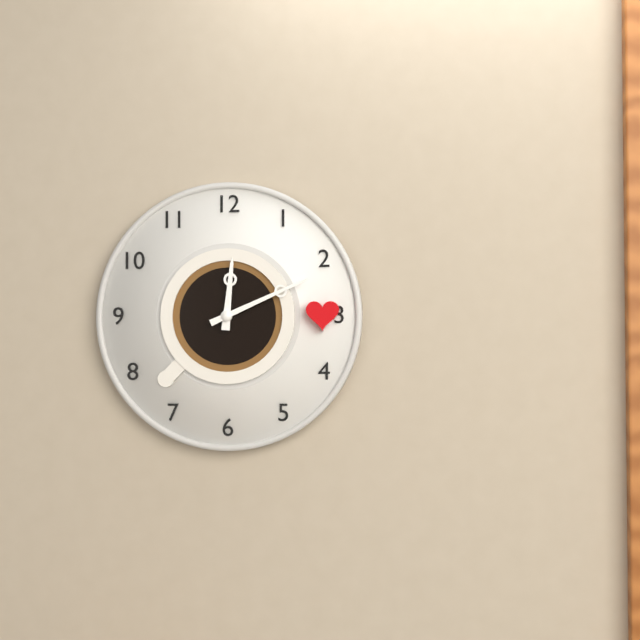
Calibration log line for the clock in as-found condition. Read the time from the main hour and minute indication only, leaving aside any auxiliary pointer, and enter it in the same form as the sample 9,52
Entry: 12,11
